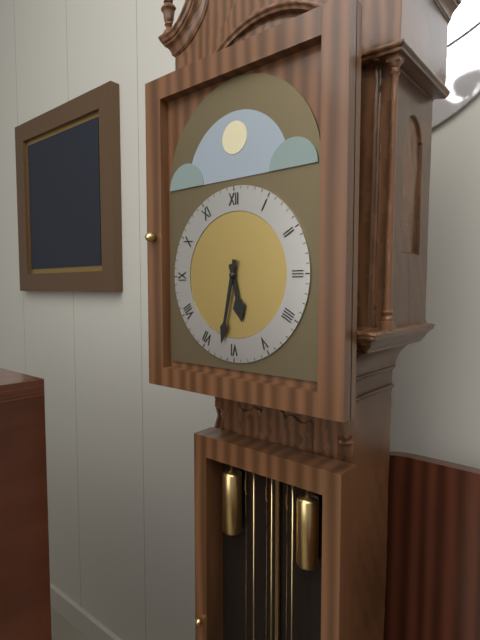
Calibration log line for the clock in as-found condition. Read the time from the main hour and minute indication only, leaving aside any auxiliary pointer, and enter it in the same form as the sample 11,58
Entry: 5,32
